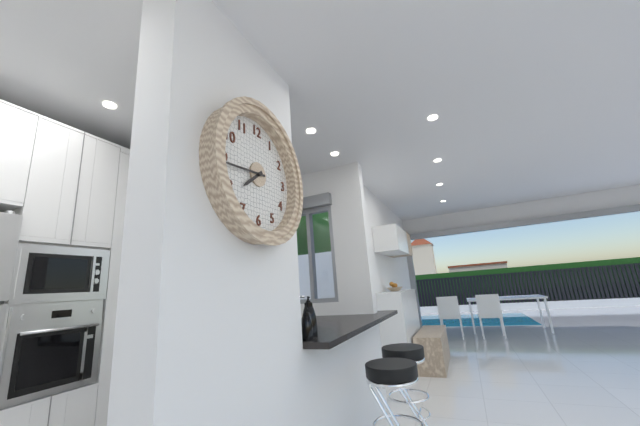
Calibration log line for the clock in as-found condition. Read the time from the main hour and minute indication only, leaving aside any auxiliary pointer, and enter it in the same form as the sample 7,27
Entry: 7,44
